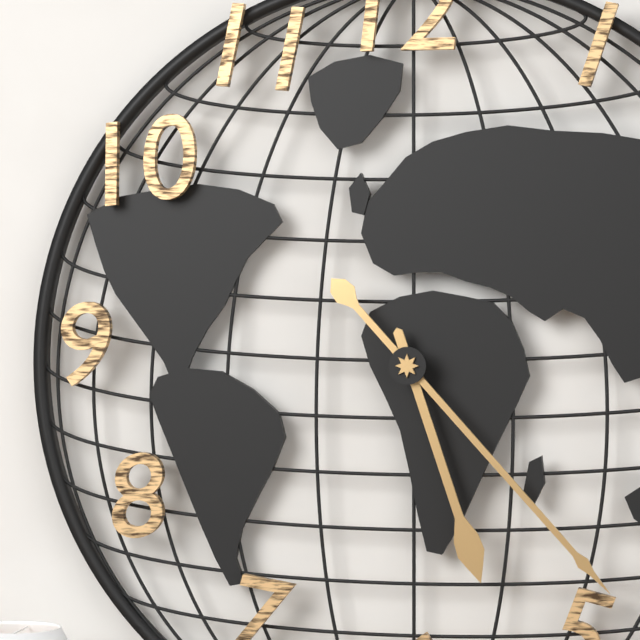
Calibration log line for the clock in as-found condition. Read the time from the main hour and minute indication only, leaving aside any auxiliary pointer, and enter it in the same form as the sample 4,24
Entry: 5,23
